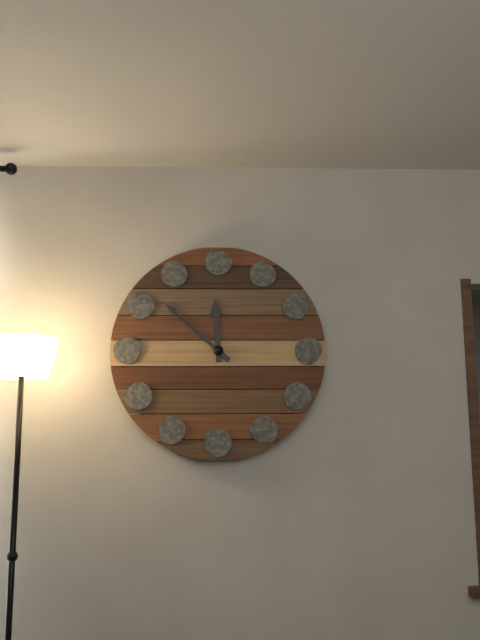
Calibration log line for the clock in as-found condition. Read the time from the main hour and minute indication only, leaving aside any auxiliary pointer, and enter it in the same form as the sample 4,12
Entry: 11,52
